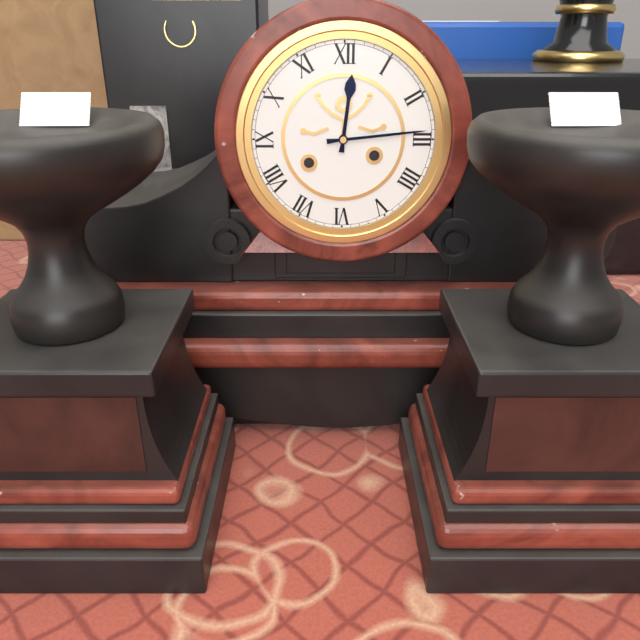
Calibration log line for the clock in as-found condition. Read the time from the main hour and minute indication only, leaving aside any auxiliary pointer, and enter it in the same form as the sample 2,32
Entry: 12,14
